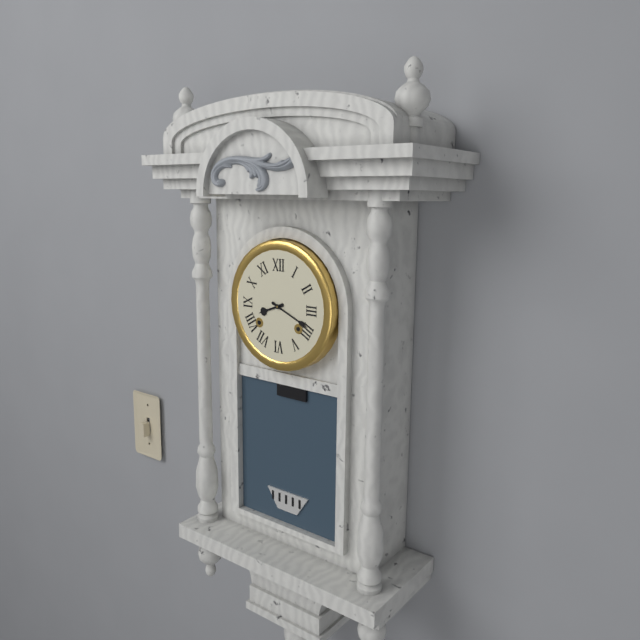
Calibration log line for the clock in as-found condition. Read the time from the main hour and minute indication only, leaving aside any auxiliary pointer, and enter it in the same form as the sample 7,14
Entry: 8,19
